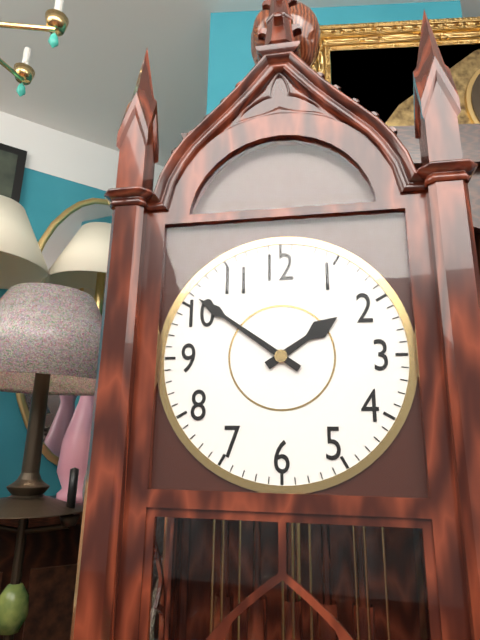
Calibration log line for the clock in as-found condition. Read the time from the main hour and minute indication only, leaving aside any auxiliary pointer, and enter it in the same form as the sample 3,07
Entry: 1,51
